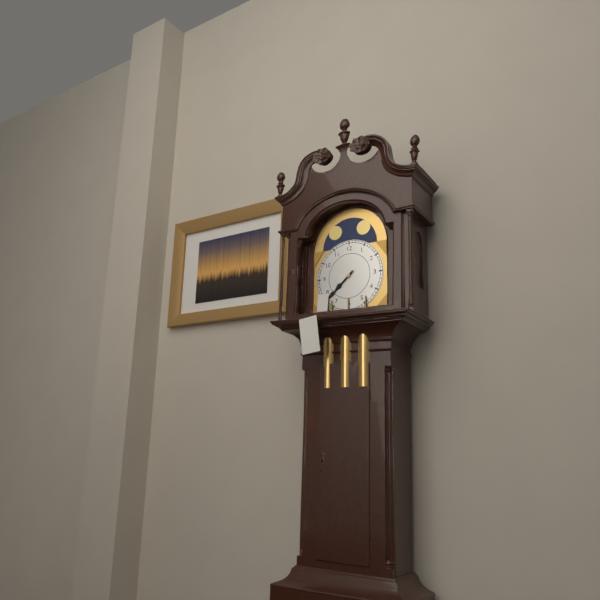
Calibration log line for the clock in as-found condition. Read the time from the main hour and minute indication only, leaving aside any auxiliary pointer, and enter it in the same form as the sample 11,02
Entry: 7,38
